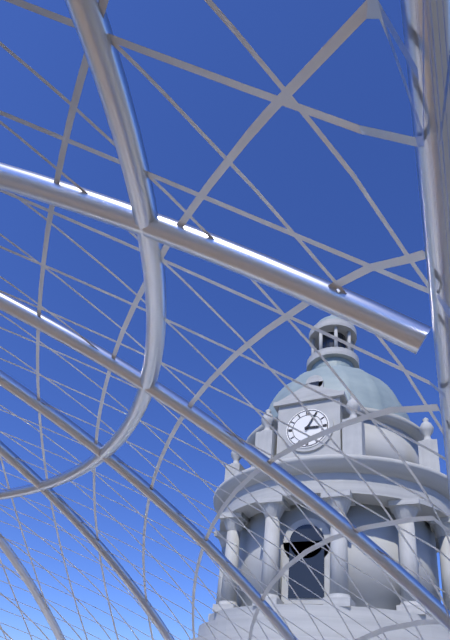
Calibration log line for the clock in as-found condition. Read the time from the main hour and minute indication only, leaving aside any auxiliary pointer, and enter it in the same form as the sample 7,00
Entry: 3,05
